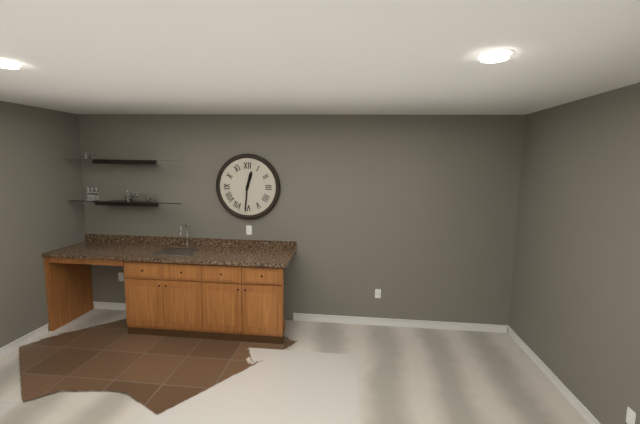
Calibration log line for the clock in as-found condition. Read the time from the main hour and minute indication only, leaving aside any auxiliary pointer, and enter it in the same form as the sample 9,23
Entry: 12,31
